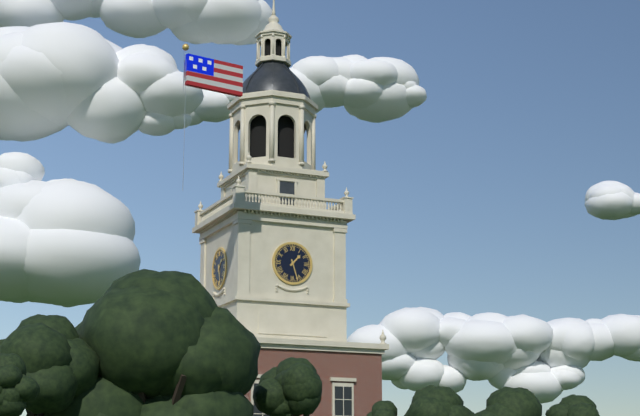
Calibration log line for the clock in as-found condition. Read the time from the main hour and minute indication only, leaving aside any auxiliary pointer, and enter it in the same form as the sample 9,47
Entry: 1,27
